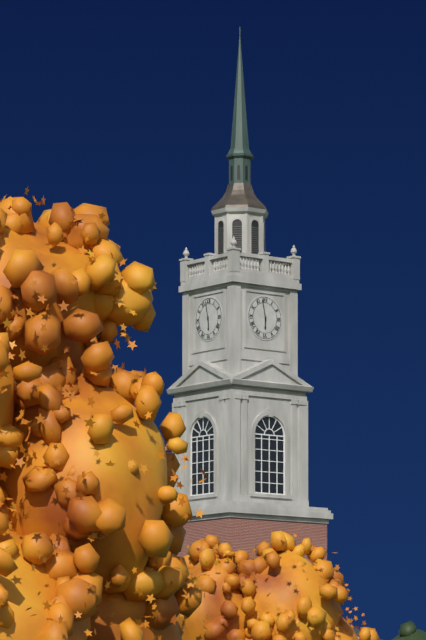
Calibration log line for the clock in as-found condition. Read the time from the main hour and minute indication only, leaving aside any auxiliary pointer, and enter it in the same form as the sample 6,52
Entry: 5,58
